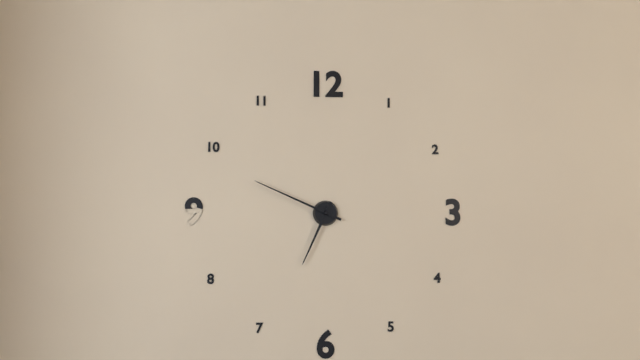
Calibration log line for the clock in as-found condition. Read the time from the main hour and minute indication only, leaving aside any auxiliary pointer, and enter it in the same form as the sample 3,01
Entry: 6,49
